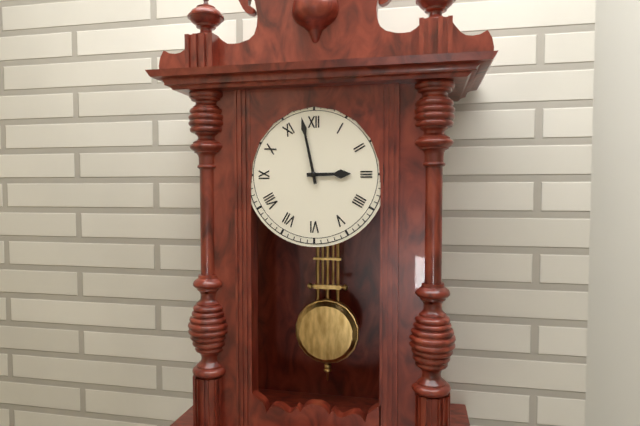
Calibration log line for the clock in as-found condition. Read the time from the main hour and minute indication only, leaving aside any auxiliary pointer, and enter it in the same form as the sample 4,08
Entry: 2,58
